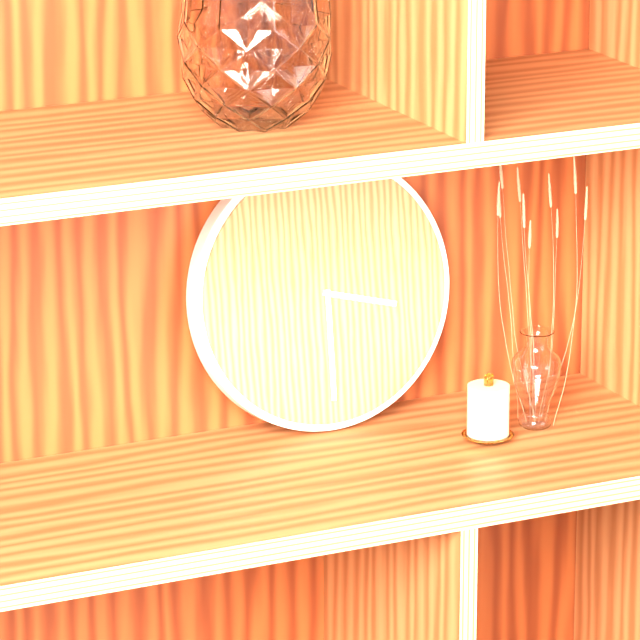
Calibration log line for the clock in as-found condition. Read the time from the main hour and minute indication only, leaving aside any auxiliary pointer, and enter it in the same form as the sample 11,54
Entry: 3,30
